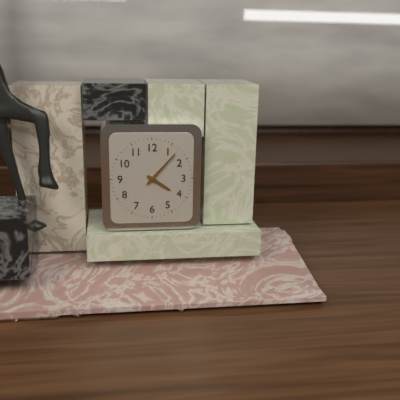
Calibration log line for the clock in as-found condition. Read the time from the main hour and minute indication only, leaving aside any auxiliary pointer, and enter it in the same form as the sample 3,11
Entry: 4,07
